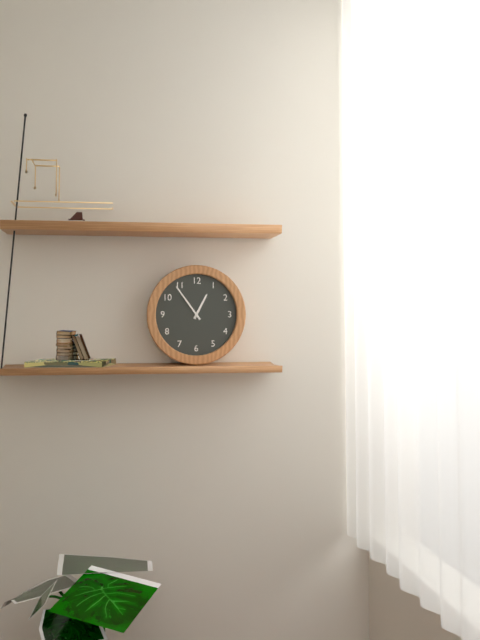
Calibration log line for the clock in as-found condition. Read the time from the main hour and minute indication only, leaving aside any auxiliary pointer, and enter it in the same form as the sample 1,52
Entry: 12,54
